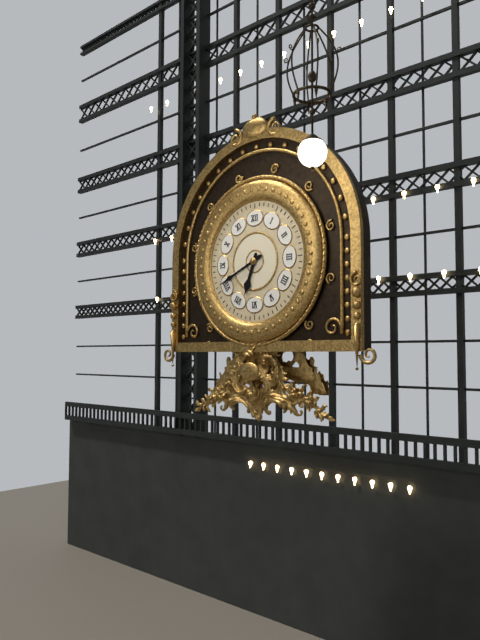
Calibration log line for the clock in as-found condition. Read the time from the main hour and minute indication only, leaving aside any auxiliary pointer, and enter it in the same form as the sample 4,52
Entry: 6,41
